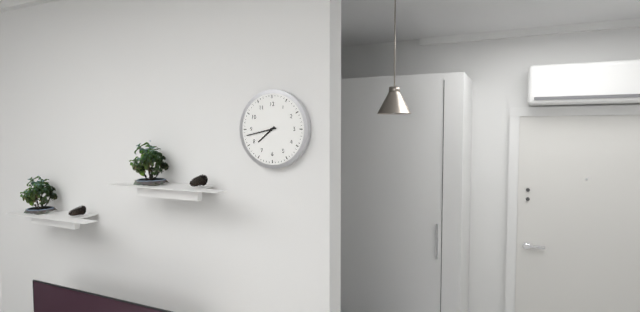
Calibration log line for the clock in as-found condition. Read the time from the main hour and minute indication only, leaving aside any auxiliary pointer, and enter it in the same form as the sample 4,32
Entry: 7,43
